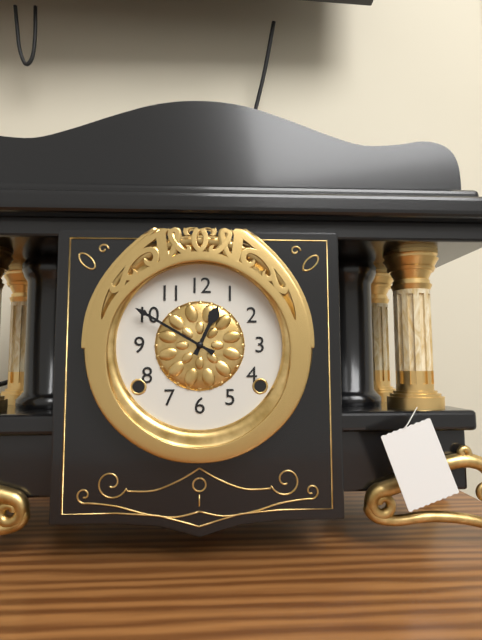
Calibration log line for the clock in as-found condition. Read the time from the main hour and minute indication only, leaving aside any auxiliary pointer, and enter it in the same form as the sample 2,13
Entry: 12,50
